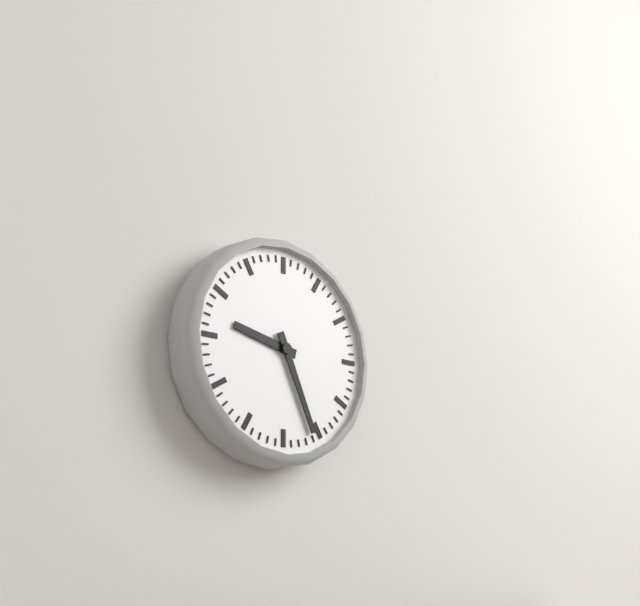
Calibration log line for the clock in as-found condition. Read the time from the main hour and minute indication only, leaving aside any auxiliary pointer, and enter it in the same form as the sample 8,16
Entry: 9,26
